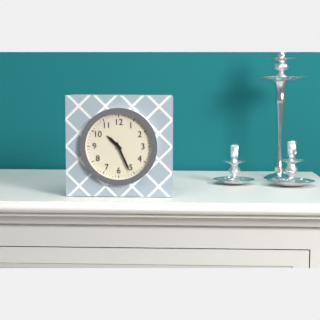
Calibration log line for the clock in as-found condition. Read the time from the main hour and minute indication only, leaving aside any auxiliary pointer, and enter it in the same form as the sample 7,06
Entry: 10,26
